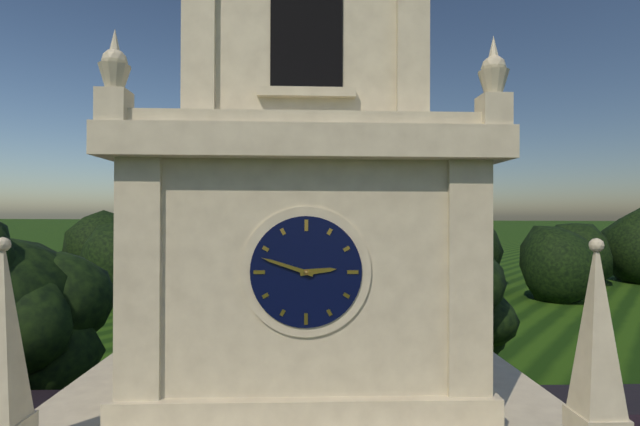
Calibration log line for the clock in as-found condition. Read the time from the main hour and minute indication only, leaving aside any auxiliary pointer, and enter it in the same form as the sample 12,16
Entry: 2,48
